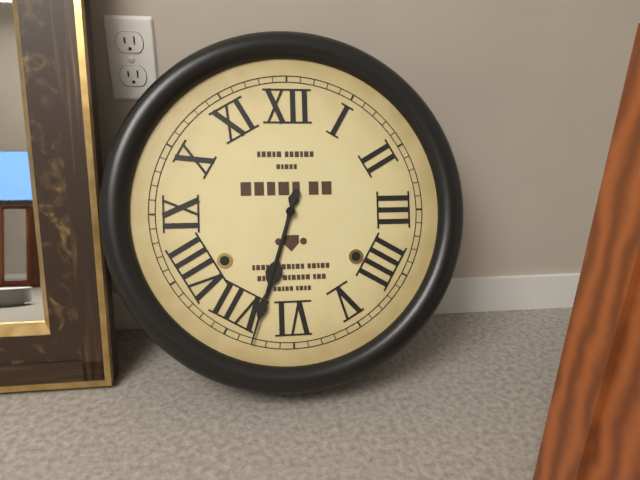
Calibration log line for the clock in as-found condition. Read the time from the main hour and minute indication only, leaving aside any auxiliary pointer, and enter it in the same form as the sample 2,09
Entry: 6,33
